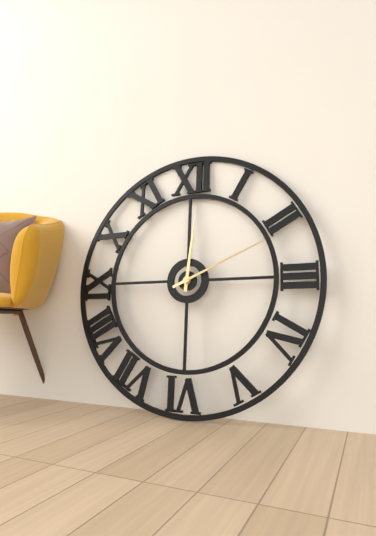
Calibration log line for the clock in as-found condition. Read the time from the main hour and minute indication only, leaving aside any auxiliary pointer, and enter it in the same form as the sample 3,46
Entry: 12,11
